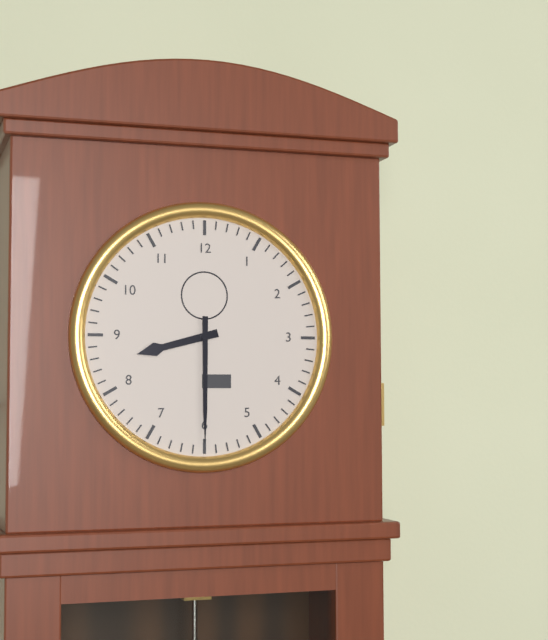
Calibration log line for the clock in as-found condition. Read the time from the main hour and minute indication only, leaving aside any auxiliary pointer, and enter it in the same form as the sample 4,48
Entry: 8,30
